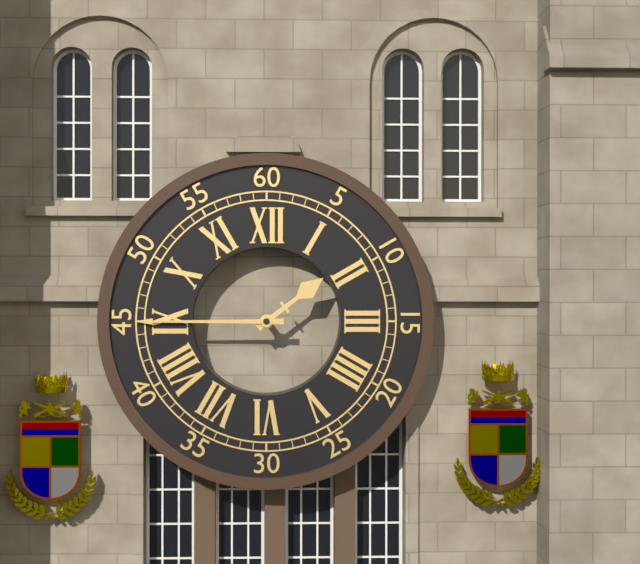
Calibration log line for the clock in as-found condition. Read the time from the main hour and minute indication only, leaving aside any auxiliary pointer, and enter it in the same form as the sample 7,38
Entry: 1,45
